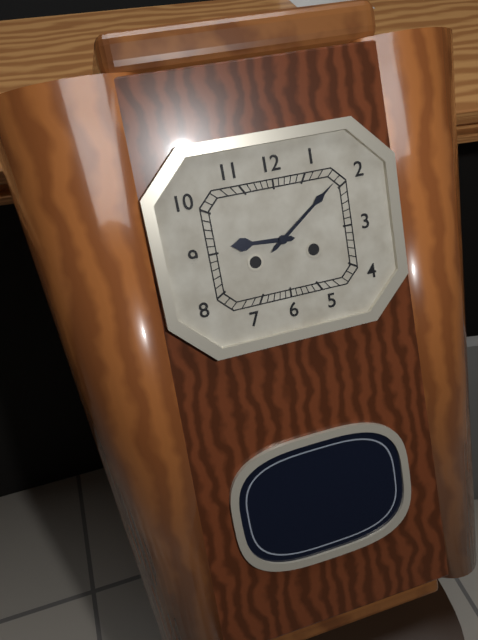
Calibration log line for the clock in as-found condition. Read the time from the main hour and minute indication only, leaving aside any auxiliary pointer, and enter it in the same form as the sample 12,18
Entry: 9,09
